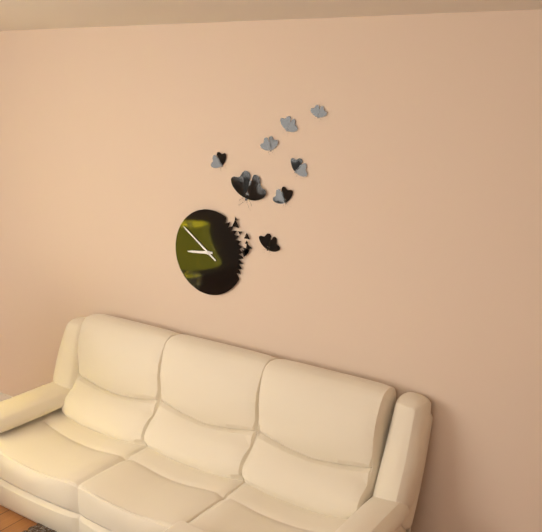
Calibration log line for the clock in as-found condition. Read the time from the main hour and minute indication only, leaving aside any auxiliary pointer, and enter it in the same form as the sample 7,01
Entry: 8,51
